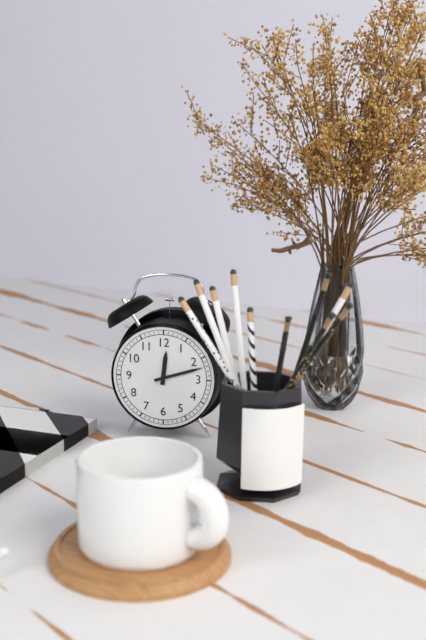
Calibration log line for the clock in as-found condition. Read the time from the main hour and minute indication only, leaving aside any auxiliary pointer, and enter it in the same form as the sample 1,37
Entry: 12,12
